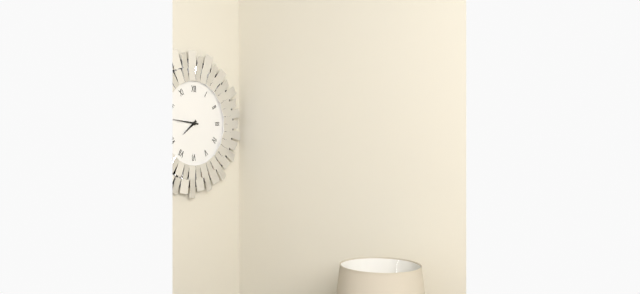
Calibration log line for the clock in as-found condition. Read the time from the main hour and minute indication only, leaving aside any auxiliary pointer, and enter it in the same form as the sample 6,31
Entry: 7,46
